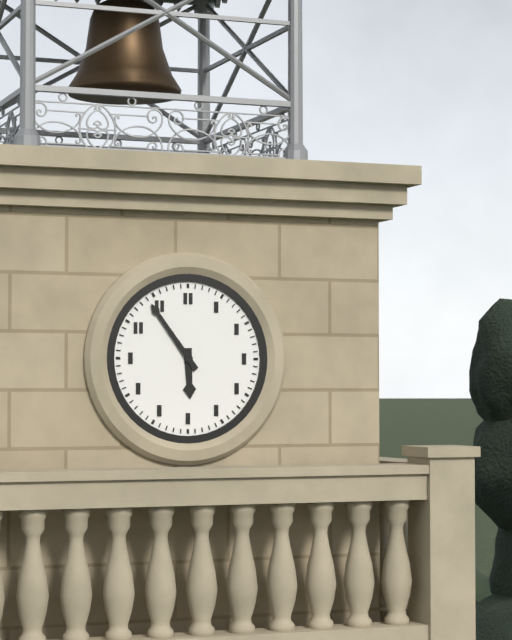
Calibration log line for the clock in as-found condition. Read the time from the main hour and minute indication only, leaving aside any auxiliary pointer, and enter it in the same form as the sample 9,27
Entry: 5,54
